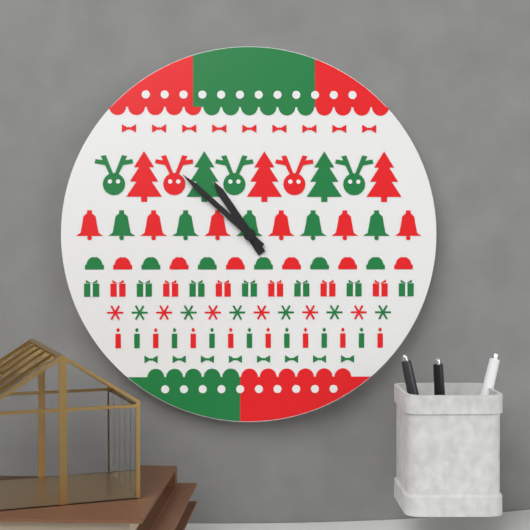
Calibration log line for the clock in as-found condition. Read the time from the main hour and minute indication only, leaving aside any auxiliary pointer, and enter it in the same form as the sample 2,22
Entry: 10,52
